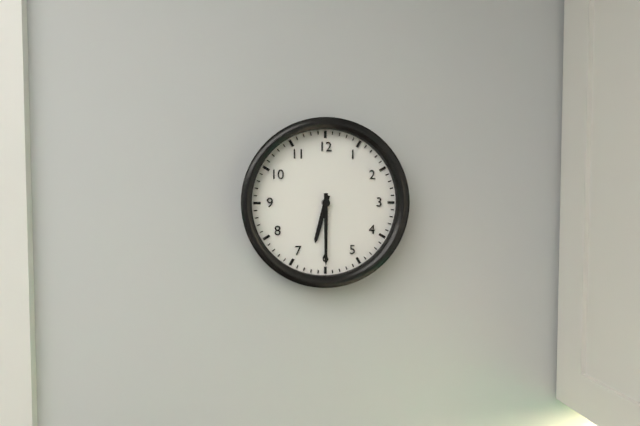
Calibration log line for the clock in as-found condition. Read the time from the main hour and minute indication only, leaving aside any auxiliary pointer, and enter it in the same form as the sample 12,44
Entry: 6,30
